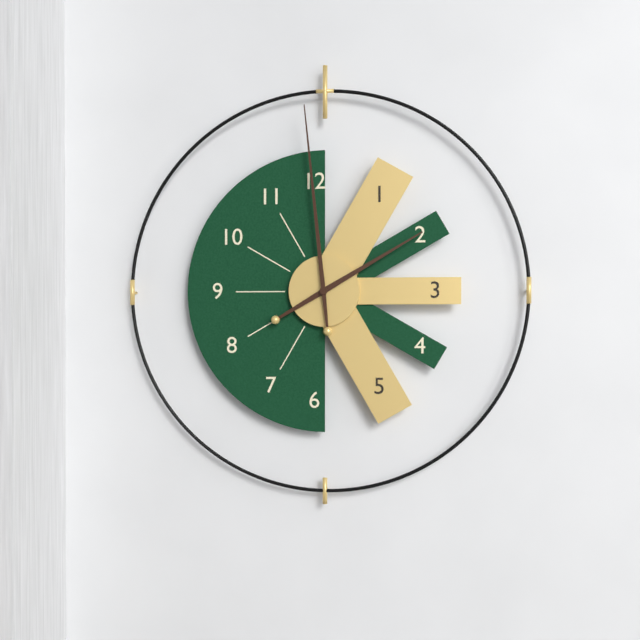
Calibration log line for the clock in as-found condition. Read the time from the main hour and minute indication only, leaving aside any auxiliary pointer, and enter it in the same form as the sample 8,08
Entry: 1,59
